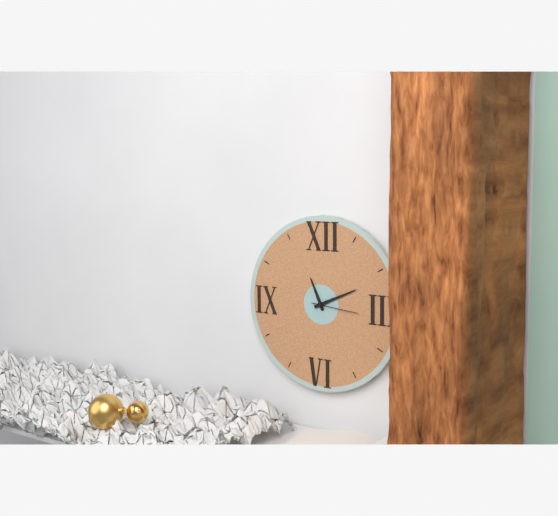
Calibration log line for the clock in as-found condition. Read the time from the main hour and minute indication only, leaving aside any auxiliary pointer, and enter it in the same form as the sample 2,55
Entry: 11,11
